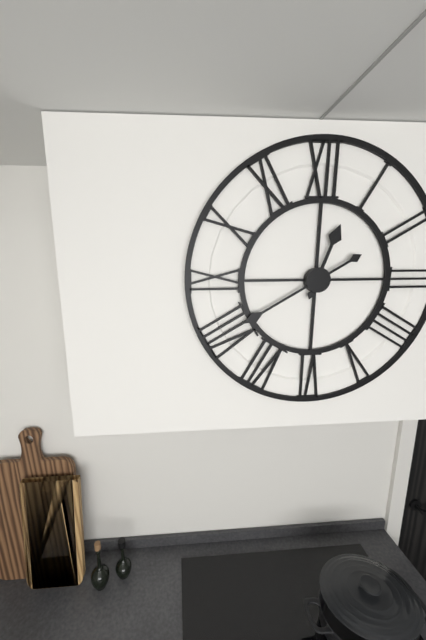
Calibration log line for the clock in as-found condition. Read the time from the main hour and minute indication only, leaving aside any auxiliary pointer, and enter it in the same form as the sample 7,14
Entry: 12,40
